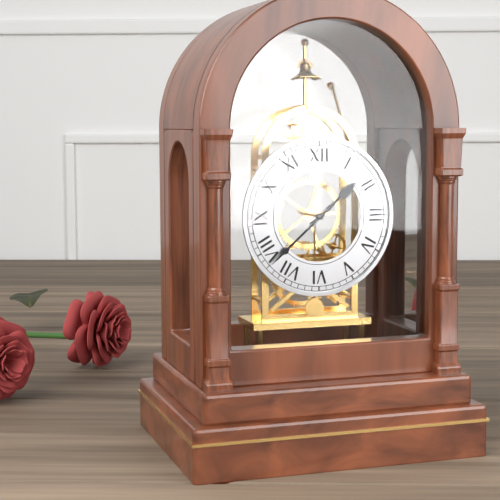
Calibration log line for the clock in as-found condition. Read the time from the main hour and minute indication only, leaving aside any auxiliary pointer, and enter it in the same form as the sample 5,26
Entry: 1,38
